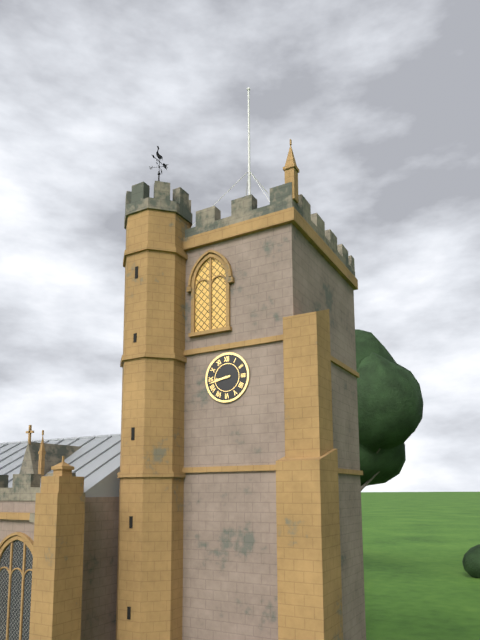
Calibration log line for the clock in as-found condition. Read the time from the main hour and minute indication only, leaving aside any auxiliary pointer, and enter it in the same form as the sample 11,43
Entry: 8,43
